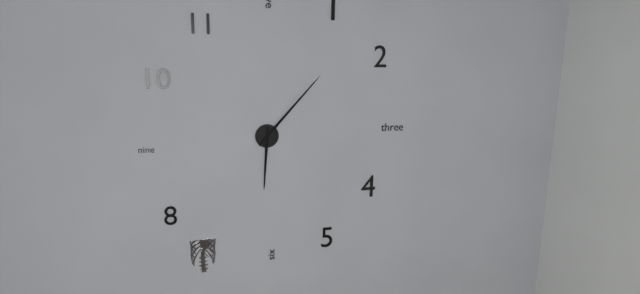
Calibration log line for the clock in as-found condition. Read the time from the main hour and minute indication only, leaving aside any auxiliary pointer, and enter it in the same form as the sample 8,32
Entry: 6,07
